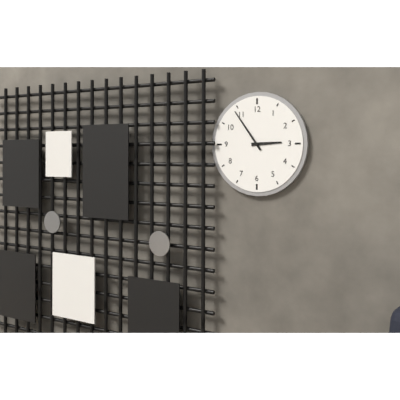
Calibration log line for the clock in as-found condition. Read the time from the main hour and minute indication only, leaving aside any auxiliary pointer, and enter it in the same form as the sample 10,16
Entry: 2,54
